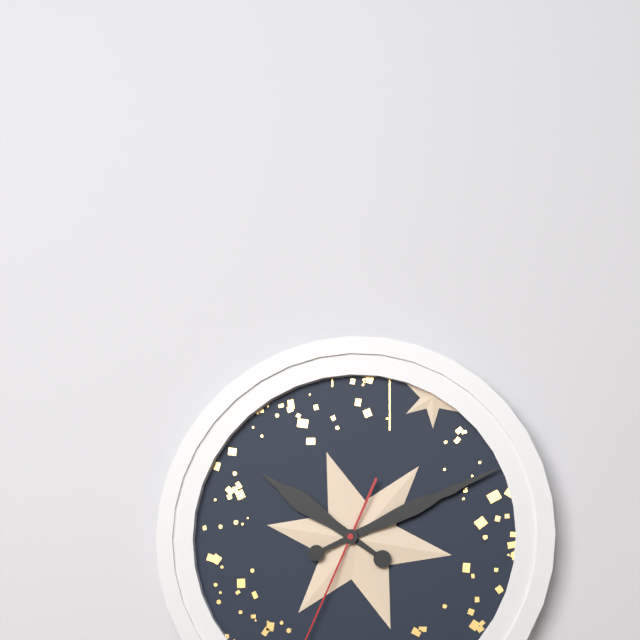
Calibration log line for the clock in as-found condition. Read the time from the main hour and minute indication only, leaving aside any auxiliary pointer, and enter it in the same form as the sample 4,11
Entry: 10,11
